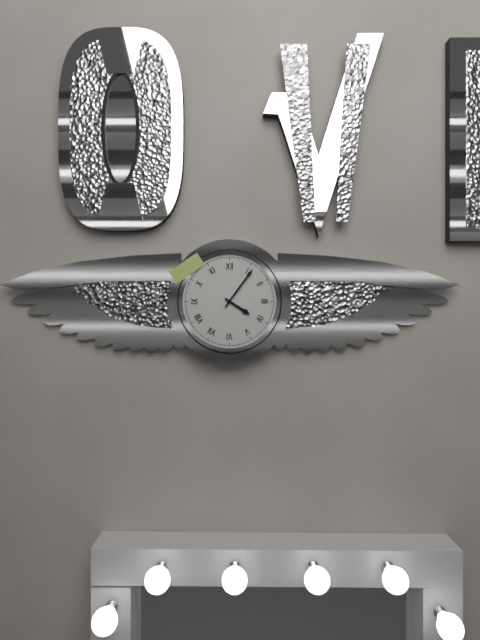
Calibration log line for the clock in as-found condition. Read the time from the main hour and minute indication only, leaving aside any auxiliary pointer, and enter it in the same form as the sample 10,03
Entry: 4,06
